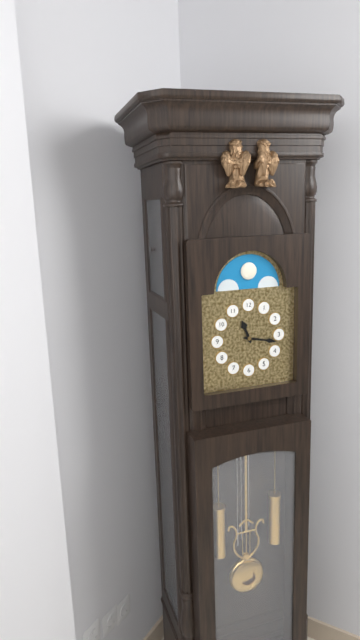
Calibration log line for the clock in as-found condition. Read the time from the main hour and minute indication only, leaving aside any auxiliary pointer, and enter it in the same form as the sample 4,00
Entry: 11,17
